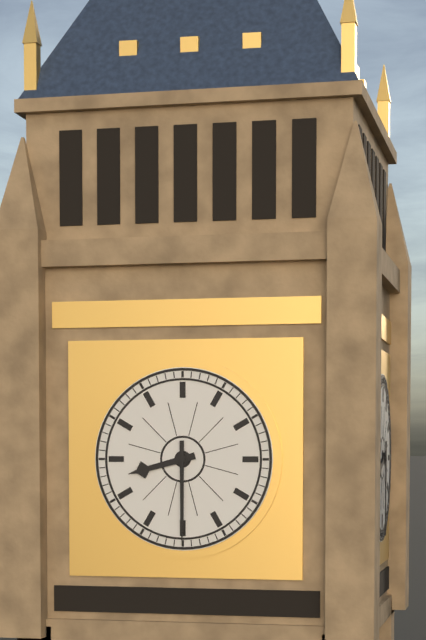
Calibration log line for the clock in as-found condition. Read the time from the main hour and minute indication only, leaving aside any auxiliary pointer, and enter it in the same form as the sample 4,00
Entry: 8,30
